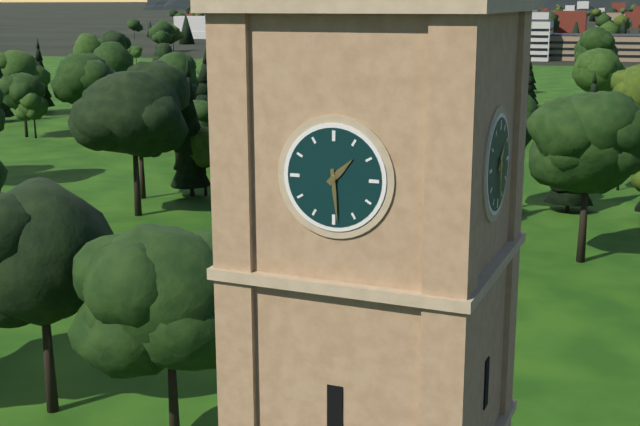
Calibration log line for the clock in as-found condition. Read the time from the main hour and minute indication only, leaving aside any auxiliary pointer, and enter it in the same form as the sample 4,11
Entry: 1,29
